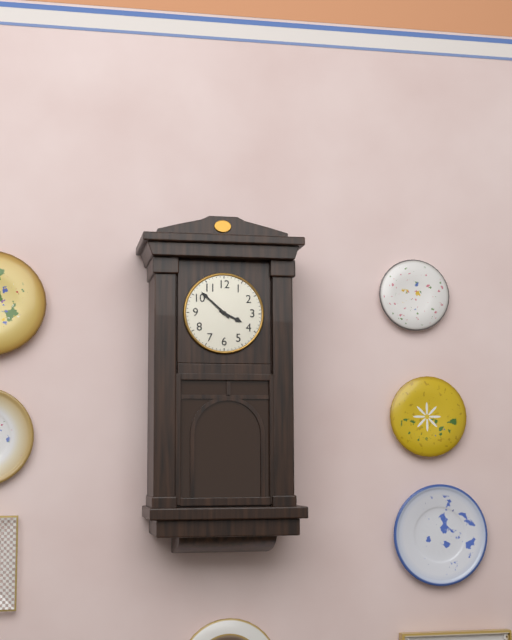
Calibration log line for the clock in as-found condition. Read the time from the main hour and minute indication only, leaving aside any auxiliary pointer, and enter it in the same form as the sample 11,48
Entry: 3,52
